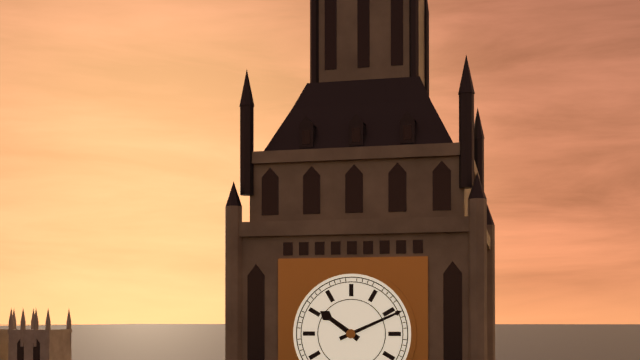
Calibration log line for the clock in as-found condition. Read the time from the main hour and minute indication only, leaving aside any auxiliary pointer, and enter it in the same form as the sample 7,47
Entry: 10,11
